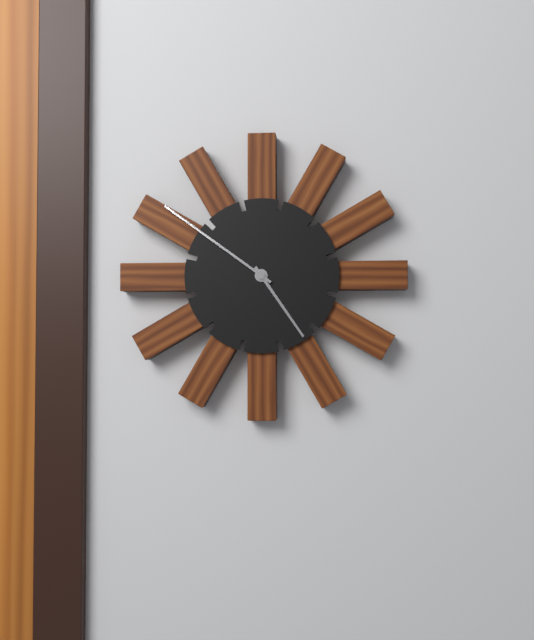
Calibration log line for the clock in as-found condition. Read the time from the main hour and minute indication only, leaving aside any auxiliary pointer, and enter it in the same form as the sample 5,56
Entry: 4,51
